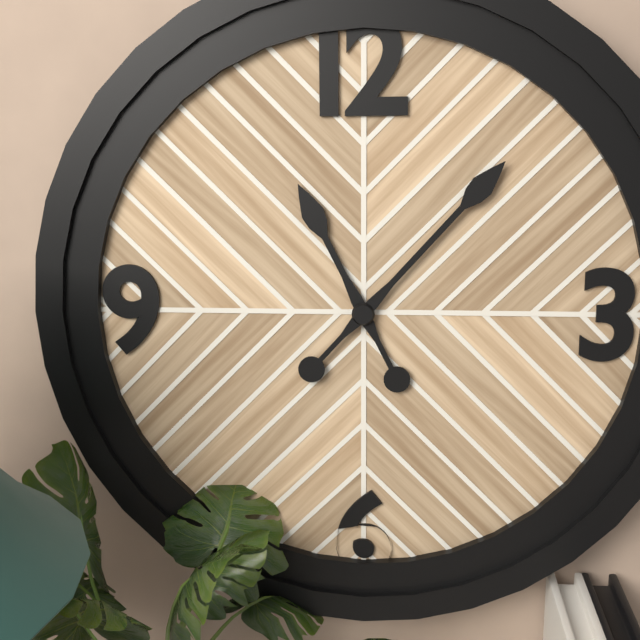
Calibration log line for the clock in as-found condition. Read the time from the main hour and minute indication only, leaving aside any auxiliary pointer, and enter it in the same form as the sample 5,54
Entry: 11,07
